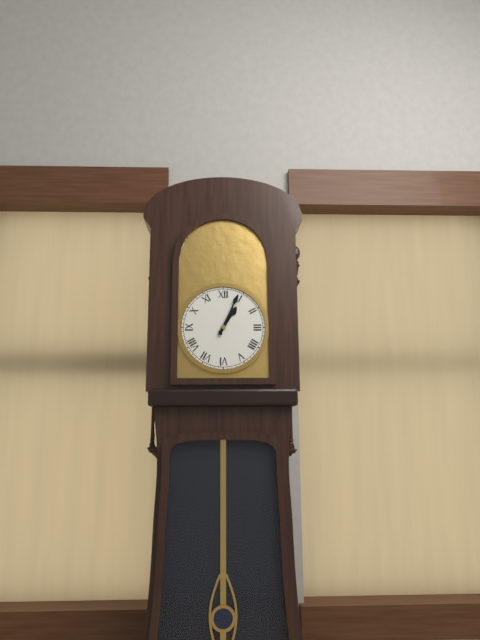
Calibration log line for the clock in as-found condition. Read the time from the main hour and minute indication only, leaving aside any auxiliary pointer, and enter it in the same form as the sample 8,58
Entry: 1,04
